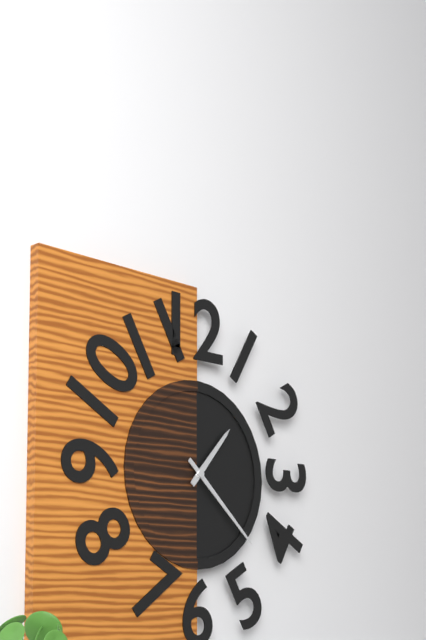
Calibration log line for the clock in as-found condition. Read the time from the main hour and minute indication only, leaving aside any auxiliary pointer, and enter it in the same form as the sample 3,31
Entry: 1,22
